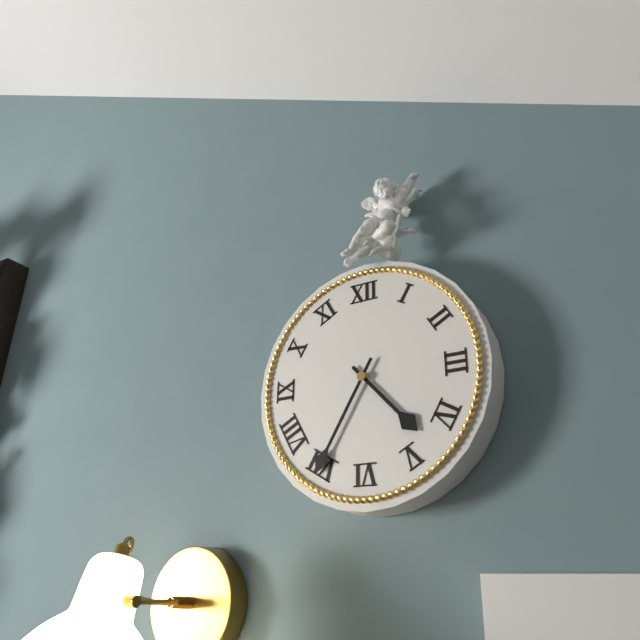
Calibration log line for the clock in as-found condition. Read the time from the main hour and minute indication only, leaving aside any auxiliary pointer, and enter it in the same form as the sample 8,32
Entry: 4,35
